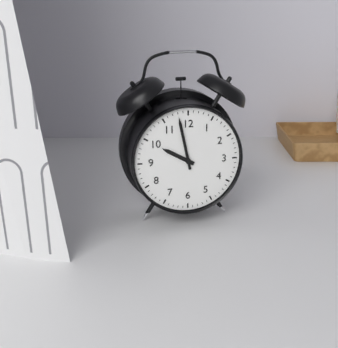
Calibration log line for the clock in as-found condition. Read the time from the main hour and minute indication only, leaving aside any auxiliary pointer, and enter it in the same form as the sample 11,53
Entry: 9,58
